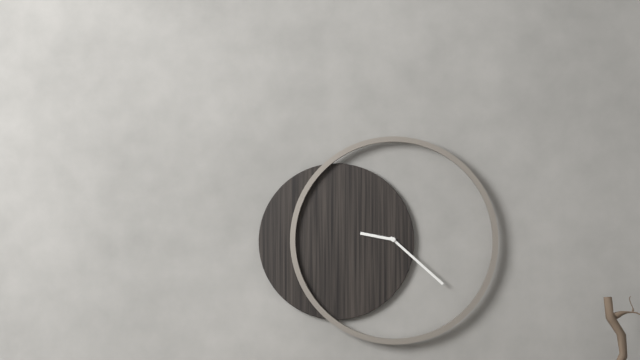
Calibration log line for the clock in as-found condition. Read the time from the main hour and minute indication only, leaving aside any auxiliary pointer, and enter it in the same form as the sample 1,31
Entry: 9,22
